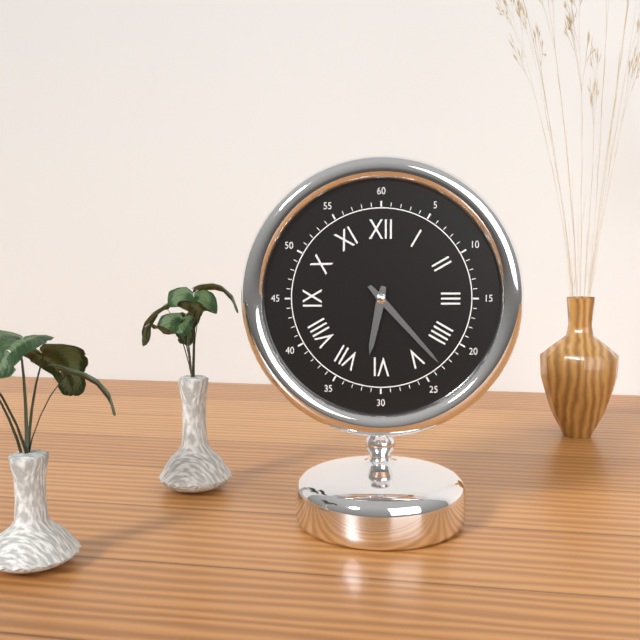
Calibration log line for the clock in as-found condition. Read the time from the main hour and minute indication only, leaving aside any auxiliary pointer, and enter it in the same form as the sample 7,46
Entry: 6,23
